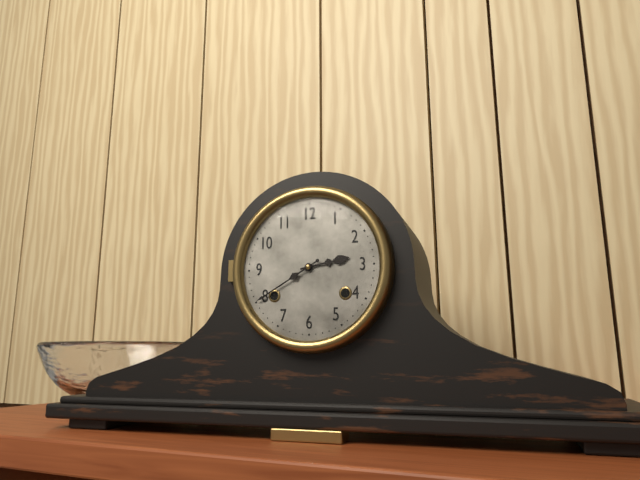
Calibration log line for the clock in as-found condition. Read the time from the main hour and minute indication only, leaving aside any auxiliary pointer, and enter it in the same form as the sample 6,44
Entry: 2,40
